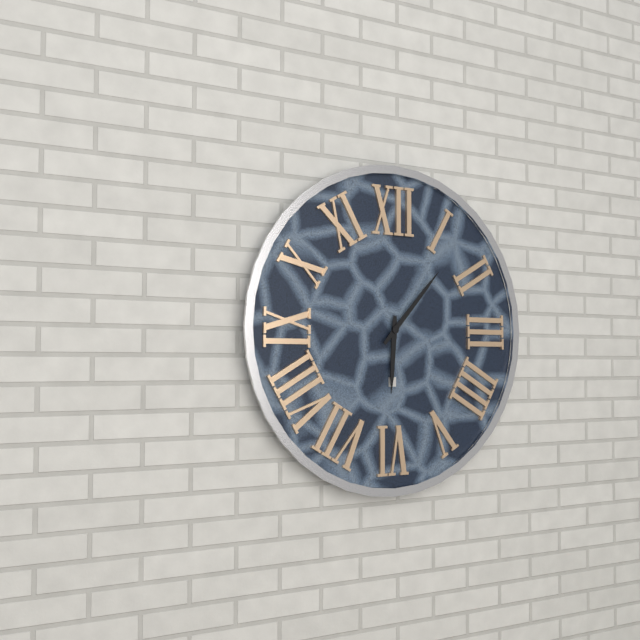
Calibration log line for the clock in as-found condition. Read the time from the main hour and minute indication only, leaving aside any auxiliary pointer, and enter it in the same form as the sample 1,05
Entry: 6,07
